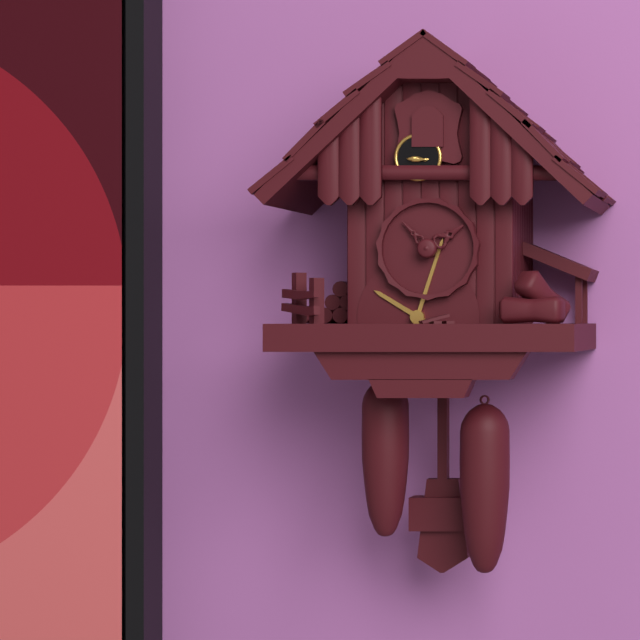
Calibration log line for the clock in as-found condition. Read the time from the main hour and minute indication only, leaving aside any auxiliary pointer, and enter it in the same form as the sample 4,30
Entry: 10,03
